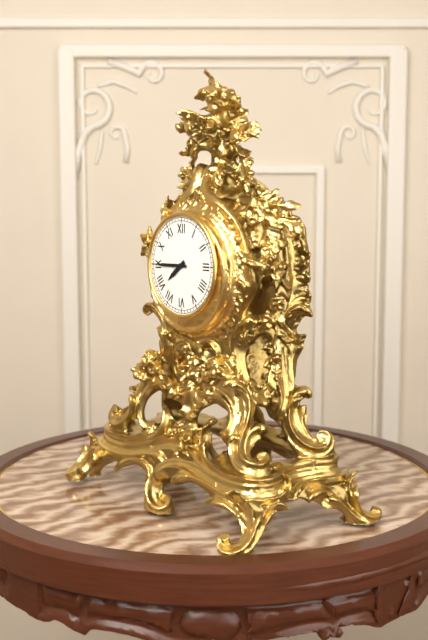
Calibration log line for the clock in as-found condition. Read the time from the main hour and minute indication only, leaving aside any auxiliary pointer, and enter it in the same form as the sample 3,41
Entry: 7,45
